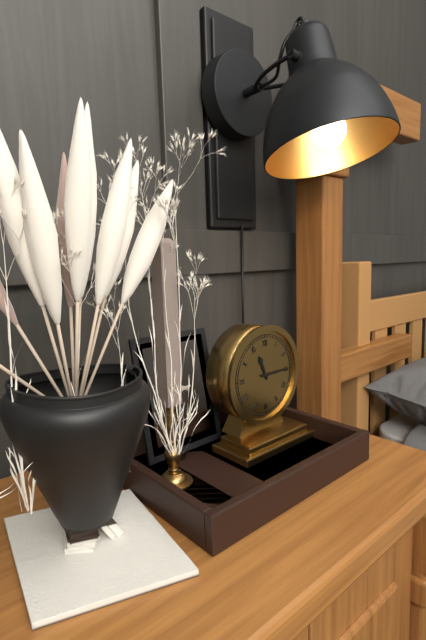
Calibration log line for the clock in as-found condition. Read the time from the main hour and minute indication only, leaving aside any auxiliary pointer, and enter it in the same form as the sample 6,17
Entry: 11,15
